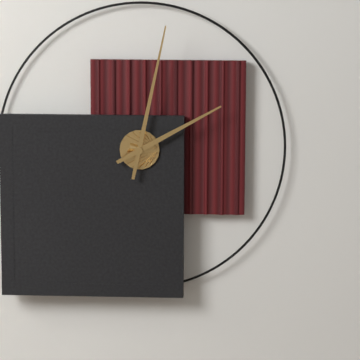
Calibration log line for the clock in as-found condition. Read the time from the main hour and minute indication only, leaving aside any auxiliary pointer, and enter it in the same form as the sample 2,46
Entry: 2,02
